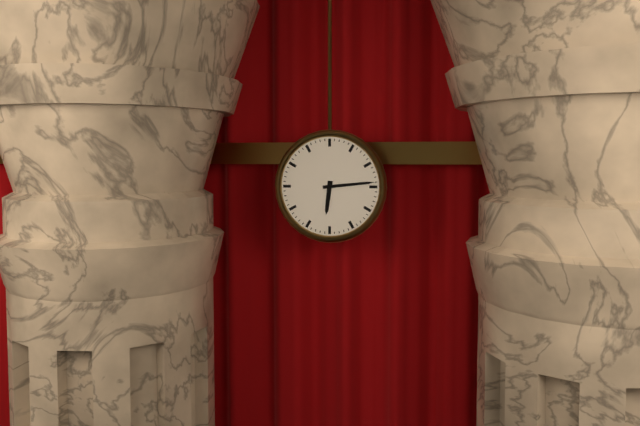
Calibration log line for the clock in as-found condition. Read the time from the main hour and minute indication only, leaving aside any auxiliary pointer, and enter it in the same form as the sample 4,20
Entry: 6,14
